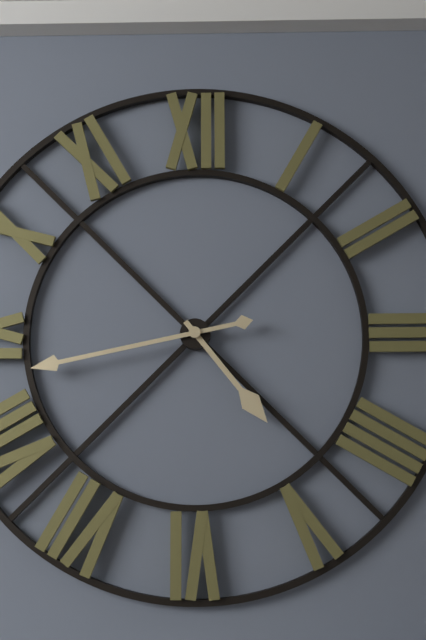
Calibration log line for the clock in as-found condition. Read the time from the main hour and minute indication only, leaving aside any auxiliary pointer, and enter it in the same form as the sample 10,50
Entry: 4,43
